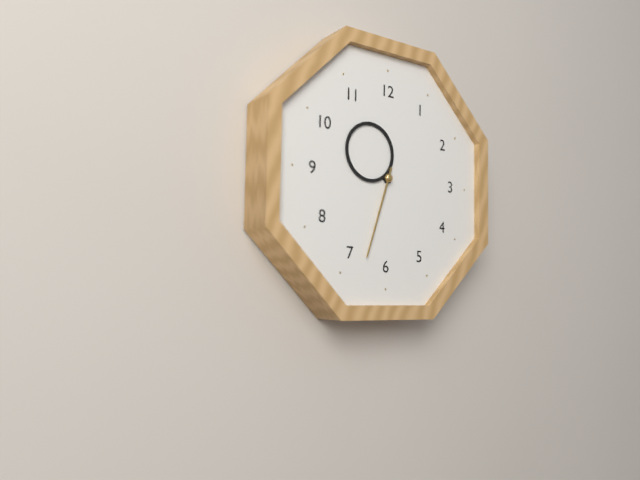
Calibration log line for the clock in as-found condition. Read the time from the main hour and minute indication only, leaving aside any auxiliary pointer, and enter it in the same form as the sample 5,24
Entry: 10,33
